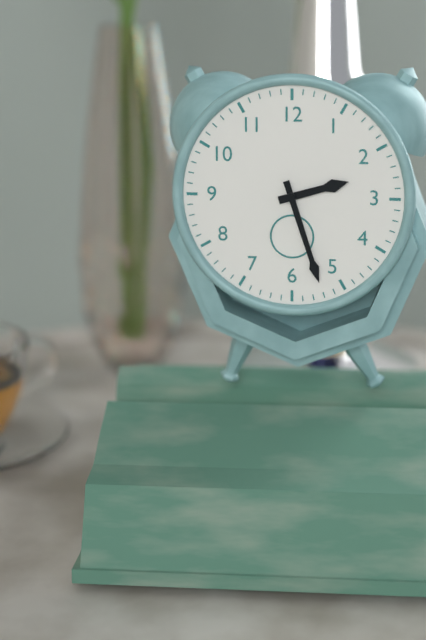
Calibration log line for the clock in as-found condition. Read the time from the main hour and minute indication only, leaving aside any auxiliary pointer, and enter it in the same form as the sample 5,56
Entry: 2,27
